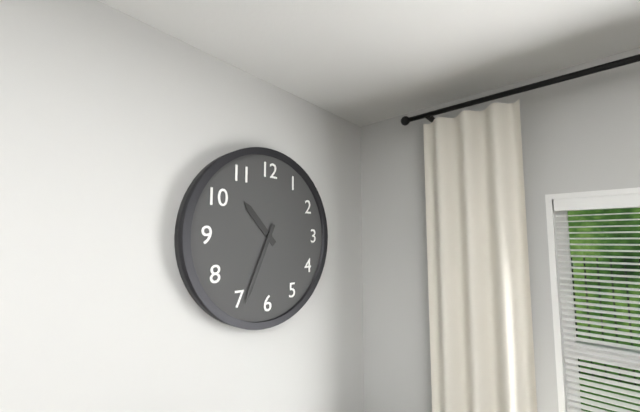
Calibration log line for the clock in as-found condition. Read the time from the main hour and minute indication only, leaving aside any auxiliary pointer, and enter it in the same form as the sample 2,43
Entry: 10,34
